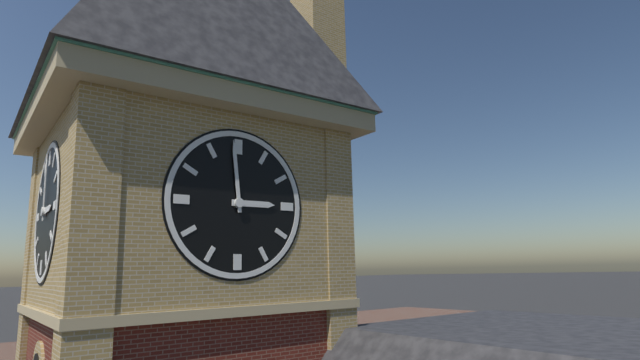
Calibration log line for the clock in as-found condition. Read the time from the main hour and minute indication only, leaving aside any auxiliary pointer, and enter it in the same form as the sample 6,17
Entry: 2,59
